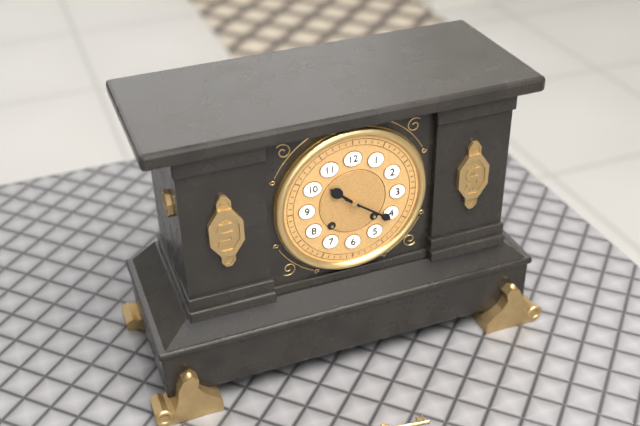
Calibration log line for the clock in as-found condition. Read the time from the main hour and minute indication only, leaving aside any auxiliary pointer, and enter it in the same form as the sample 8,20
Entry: 10,21
